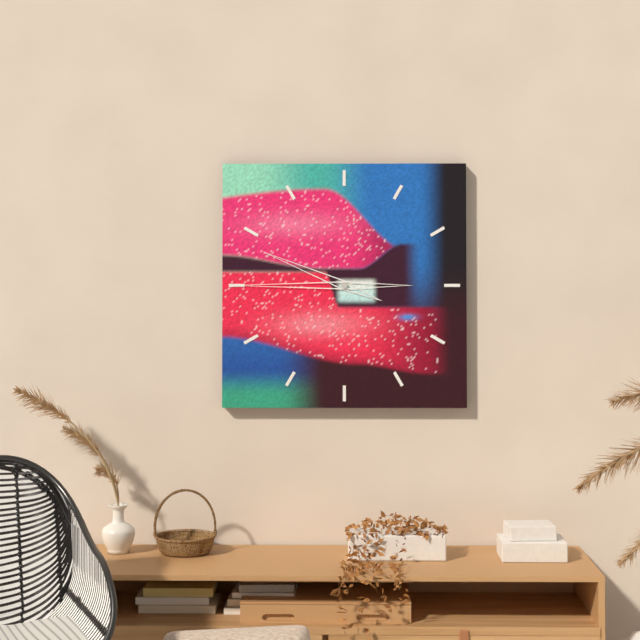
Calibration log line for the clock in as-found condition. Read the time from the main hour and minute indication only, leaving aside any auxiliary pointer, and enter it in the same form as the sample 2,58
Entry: 9,45
